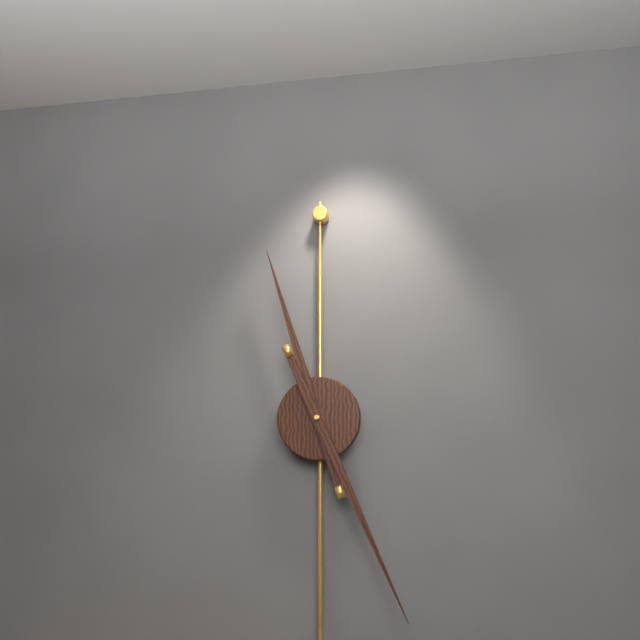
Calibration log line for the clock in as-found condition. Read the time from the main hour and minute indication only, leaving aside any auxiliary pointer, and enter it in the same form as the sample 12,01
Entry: 11,26
